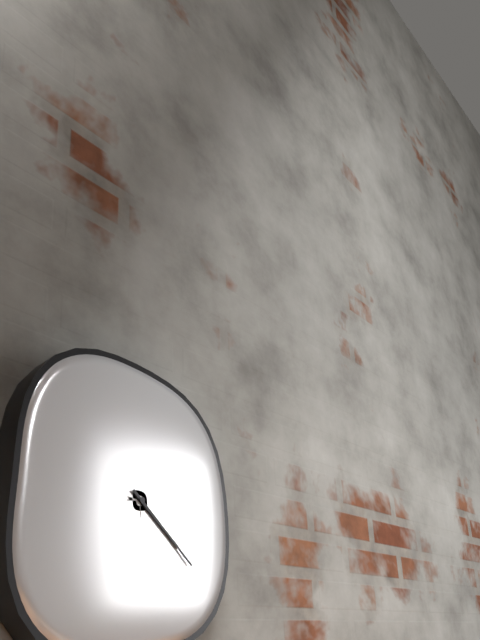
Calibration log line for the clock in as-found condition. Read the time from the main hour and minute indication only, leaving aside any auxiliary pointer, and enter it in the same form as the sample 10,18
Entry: 4,22
